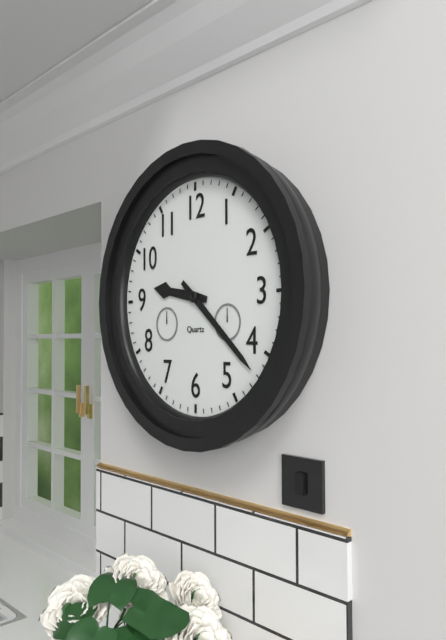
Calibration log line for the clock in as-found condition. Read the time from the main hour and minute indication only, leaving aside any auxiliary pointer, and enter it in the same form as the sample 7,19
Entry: 9,22
